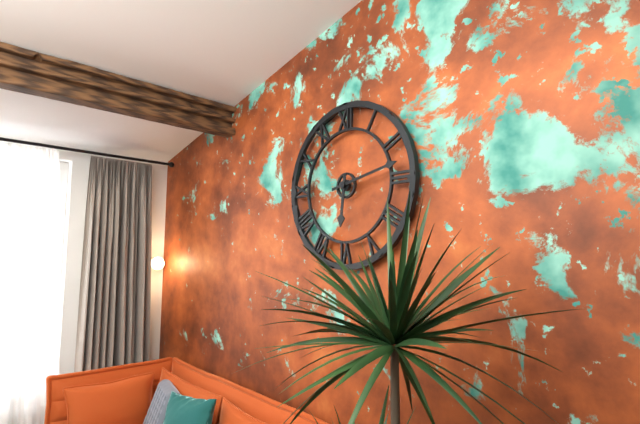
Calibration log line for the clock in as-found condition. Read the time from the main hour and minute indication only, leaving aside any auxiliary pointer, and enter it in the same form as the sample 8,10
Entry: 6,13
